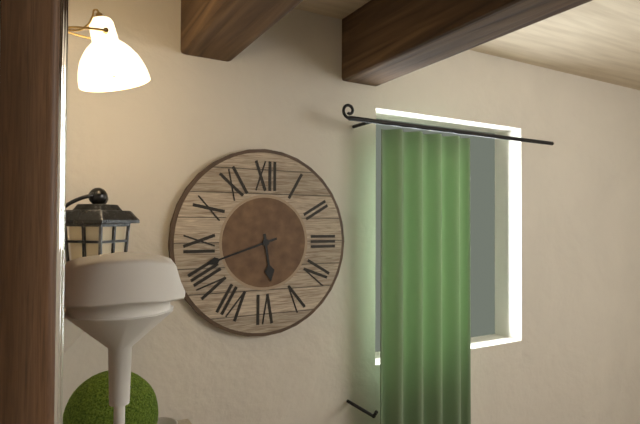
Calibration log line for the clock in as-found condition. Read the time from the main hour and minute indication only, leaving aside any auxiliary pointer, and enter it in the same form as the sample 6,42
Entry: 5,42
